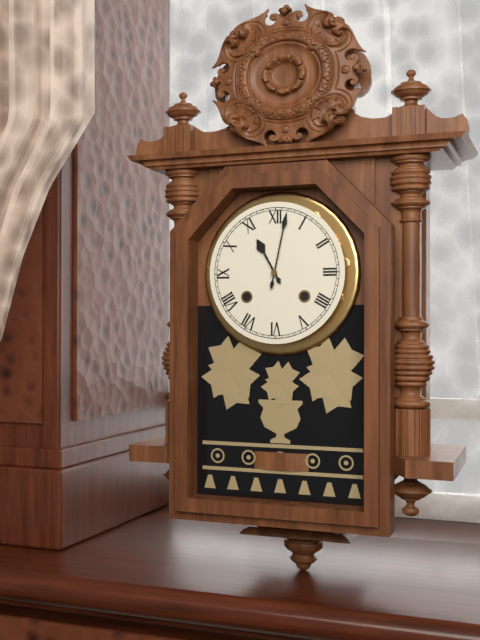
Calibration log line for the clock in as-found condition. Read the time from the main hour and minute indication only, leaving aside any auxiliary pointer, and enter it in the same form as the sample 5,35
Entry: 11,02
